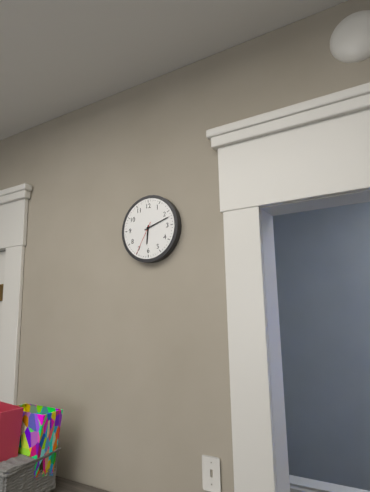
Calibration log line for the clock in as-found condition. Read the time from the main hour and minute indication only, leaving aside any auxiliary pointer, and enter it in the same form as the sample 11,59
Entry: 6,12
